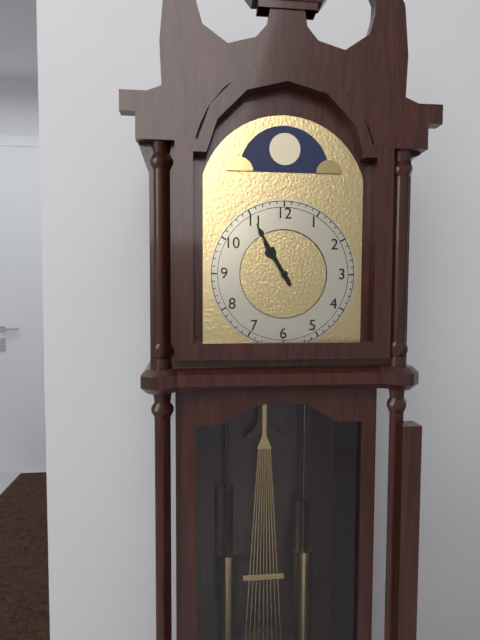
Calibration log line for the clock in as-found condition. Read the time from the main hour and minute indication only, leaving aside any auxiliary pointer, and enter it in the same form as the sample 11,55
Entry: 10,55
